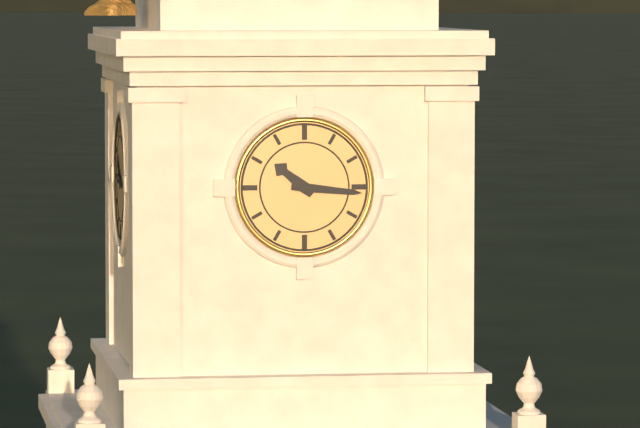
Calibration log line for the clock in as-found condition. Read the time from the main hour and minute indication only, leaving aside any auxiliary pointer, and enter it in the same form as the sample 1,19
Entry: 10,16
